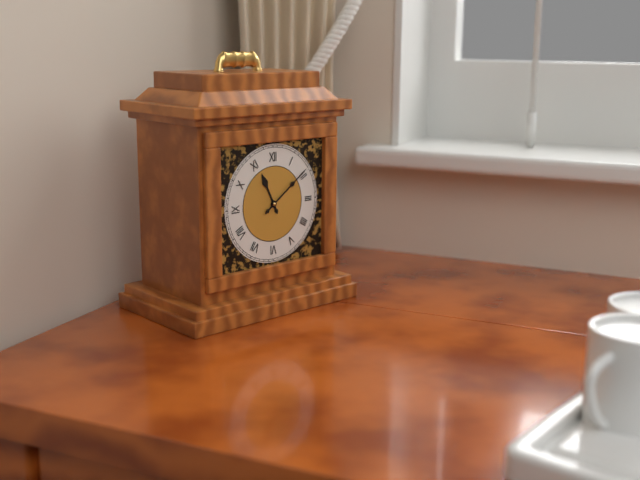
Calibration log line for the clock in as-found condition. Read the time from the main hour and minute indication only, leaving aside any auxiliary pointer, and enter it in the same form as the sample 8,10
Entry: 11,09
